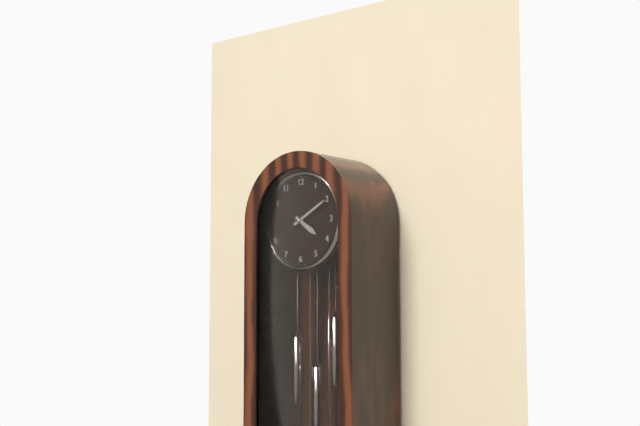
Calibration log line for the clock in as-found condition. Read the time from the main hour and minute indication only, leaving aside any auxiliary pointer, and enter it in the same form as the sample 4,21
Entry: 4,10
